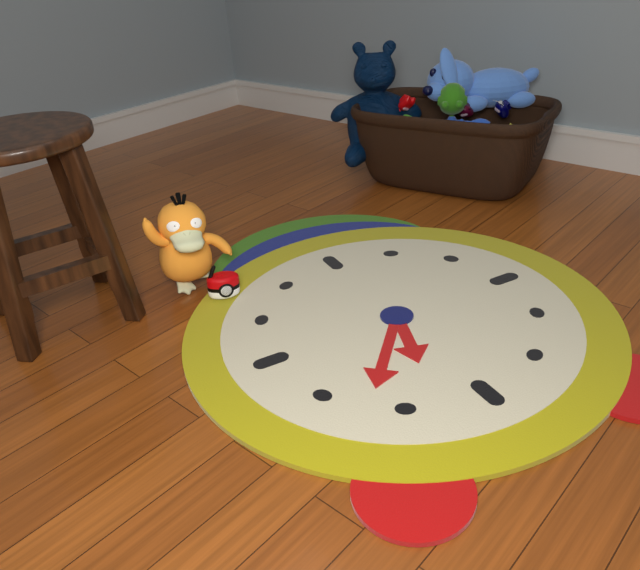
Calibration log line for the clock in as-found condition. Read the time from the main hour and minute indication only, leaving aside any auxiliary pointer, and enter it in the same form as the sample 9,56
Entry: 6,37
